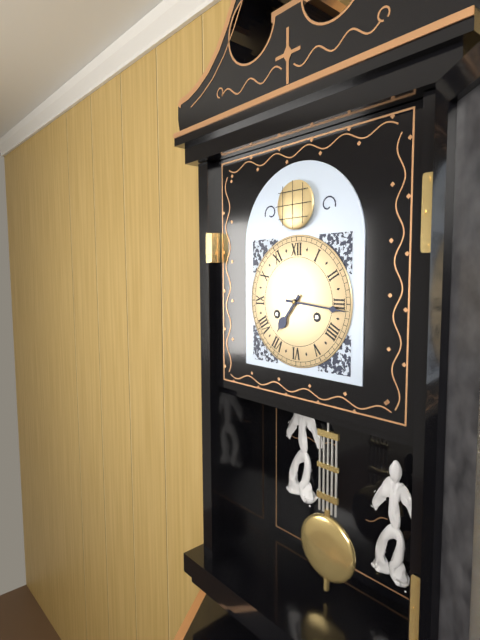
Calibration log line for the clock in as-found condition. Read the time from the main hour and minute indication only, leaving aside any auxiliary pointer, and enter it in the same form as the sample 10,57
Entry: 7,16
